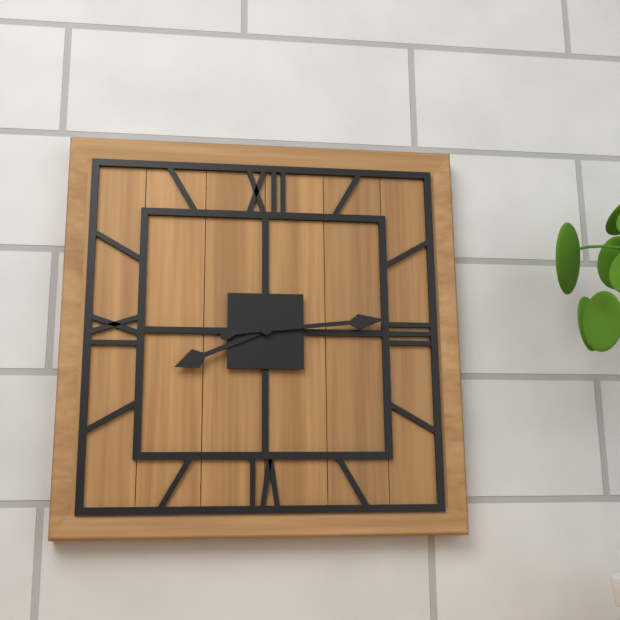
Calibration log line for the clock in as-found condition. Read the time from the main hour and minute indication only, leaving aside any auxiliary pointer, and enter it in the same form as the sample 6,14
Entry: 8,14
